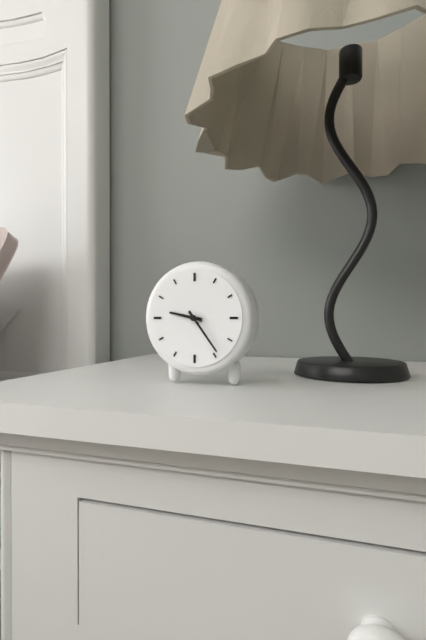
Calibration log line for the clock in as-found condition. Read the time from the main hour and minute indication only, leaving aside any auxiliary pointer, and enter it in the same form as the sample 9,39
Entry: 9,24
